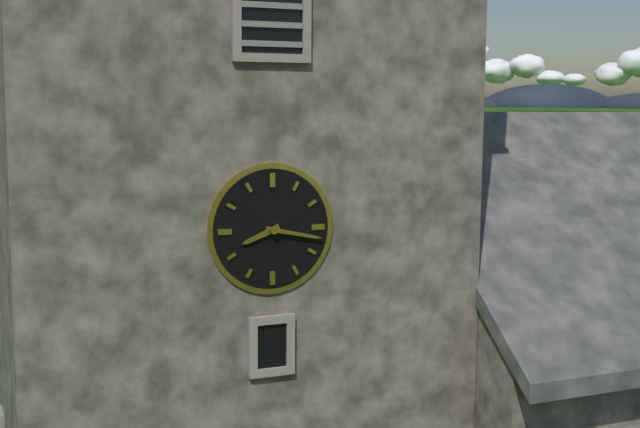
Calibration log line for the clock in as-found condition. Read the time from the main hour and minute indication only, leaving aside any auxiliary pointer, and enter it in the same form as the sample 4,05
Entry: 8,17
